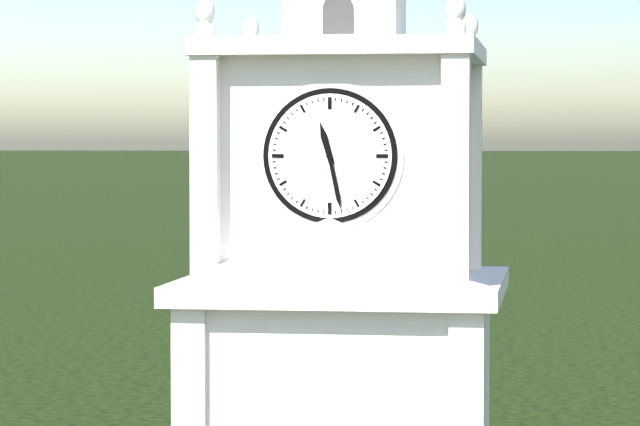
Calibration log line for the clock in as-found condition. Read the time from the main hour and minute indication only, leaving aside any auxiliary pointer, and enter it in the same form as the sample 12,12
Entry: 11,28
